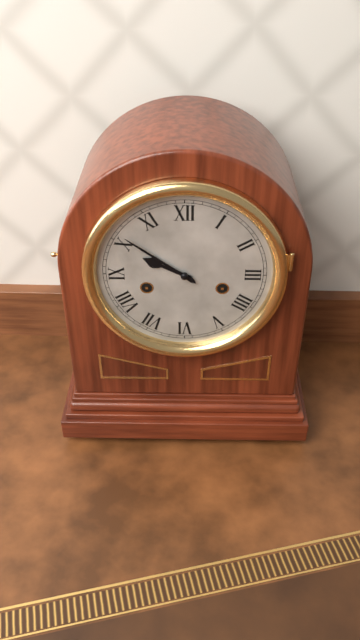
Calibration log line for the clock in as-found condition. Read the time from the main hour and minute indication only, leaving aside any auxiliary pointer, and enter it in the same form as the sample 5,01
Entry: 9,51
